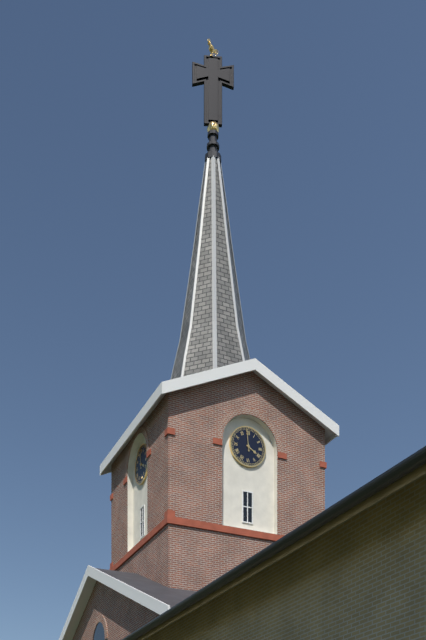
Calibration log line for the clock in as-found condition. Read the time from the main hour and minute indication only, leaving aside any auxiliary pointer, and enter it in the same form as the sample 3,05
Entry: 3,59
